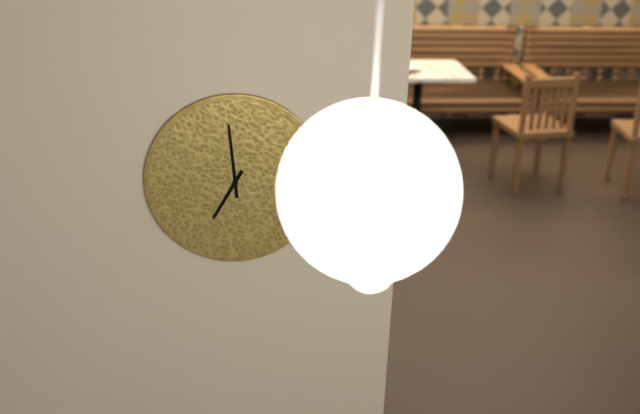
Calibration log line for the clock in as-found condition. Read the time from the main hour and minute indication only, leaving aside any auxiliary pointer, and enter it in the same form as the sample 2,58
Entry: 6,59
